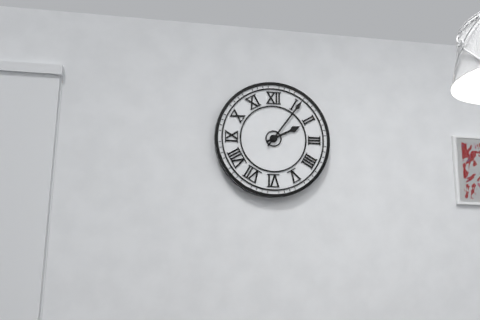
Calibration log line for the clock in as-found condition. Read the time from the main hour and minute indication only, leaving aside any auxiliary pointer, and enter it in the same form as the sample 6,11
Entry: 2,06
